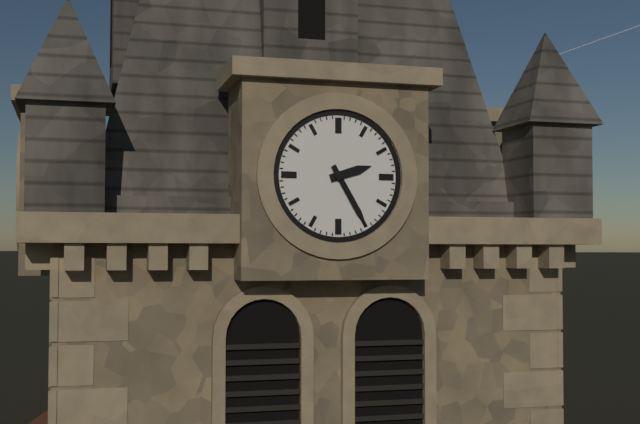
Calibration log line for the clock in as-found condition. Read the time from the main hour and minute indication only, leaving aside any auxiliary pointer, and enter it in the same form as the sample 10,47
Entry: 2,25
